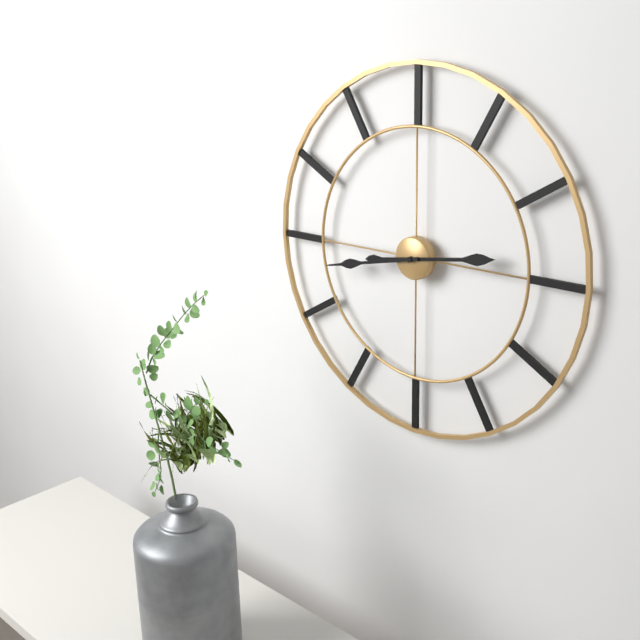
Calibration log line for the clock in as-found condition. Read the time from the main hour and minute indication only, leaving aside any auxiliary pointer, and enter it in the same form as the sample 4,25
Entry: 2,43
